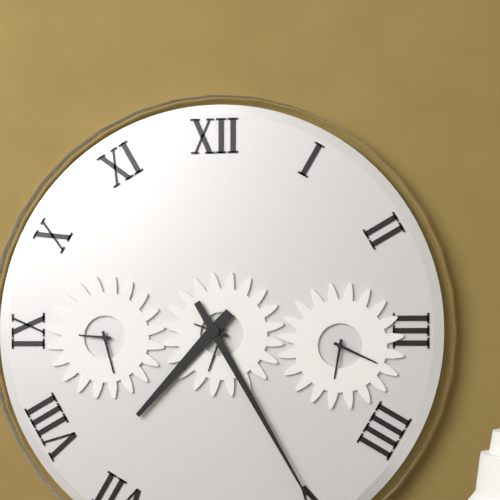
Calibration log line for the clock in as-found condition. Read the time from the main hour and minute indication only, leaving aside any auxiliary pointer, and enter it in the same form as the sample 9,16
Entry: 7,25
